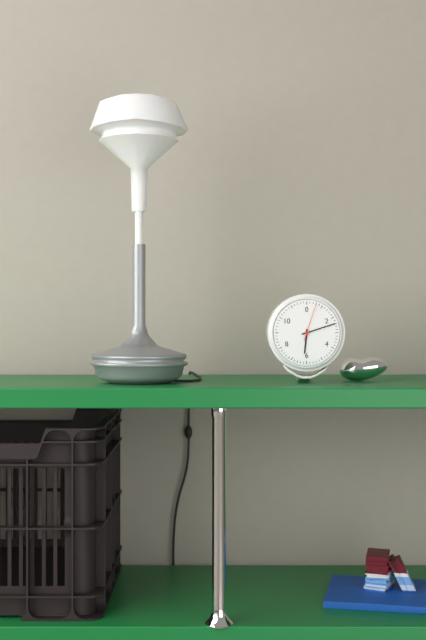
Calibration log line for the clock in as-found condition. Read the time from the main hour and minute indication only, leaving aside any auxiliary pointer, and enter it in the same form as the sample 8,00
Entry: 6,12
